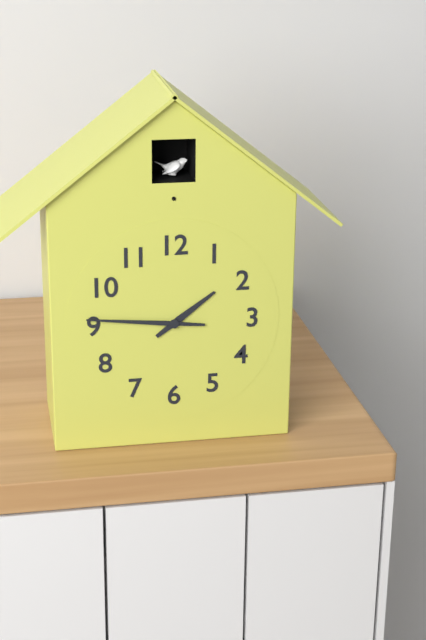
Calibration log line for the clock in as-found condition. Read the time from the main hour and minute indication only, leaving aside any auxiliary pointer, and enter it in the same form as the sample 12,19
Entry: 1,46
